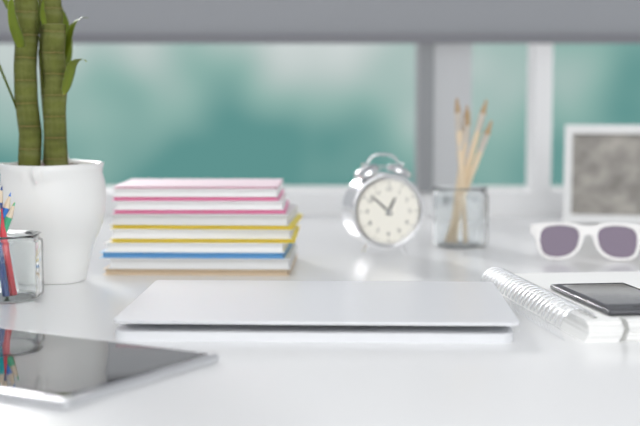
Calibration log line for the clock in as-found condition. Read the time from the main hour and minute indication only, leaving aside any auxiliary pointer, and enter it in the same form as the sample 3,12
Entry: 12,52
